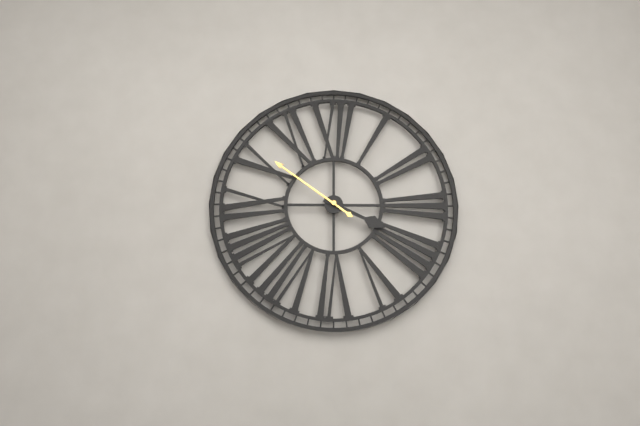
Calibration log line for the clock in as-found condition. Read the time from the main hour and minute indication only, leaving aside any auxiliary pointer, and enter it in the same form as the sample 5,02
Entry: 3,51
